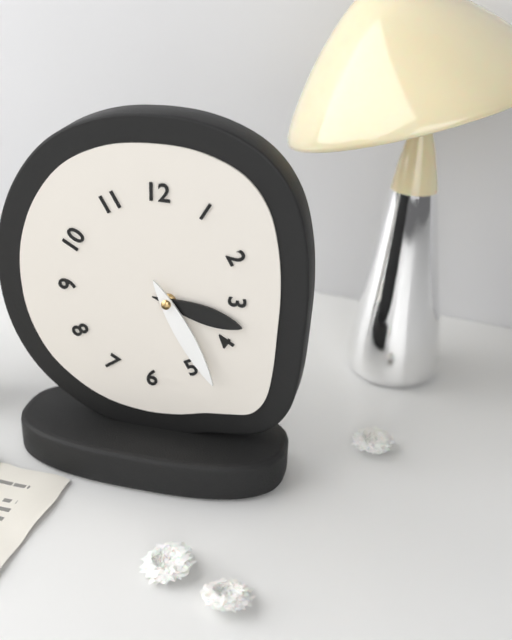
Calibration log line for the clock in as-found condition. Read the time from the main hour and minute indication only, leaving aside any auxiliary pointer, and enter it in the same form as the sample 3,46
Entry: 3,25
